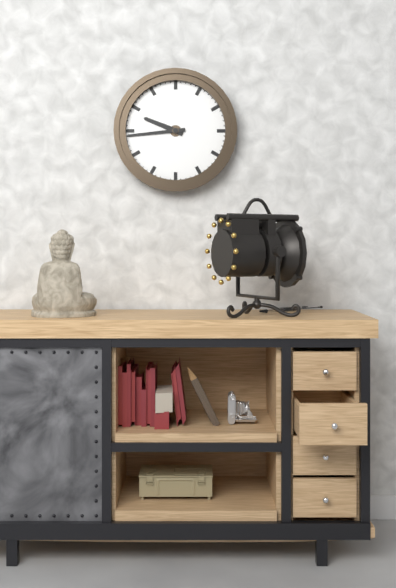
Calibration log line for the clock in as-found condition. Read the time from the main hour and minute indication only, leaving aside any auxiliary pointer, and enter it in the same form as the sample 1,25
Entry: 9,44
